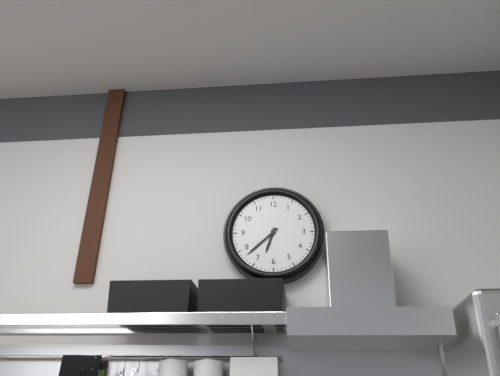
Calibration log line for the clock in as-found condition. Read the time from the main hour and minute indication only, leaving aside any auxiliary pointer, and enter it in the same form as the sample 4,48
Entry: 6,38
